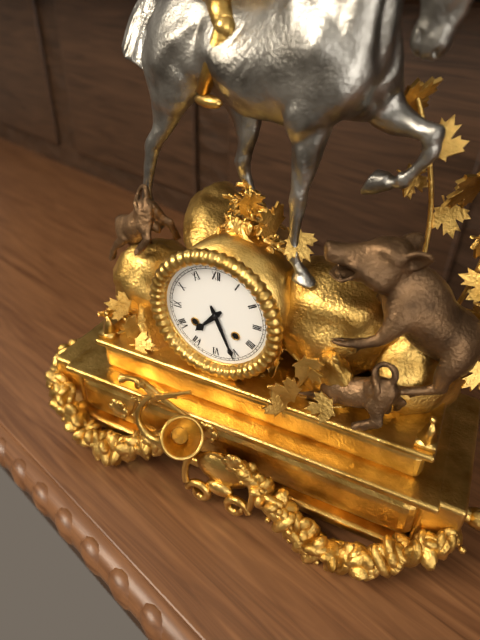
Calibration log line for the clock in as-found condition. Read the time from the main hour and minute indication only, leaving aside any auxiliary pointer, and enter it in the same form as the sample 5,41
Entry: 7,26
